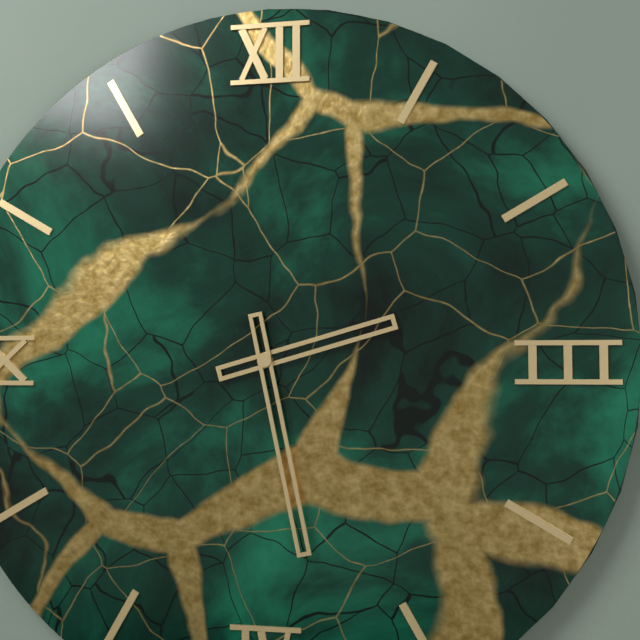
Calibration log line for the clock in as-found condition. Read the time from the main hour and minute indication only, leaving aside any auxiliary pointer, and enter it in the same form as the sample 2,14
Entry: 2,28
